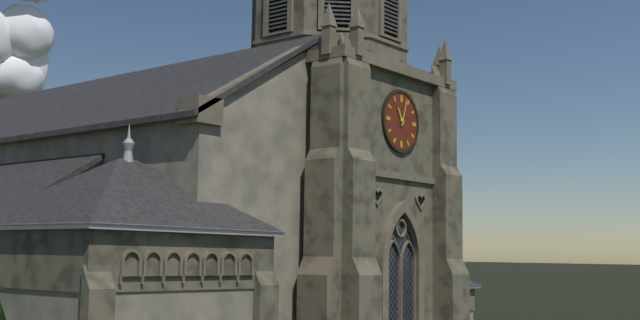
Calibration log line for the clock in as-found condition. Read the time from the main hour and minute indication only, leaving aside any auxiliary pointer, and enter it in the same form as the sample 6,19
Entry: 11,03
